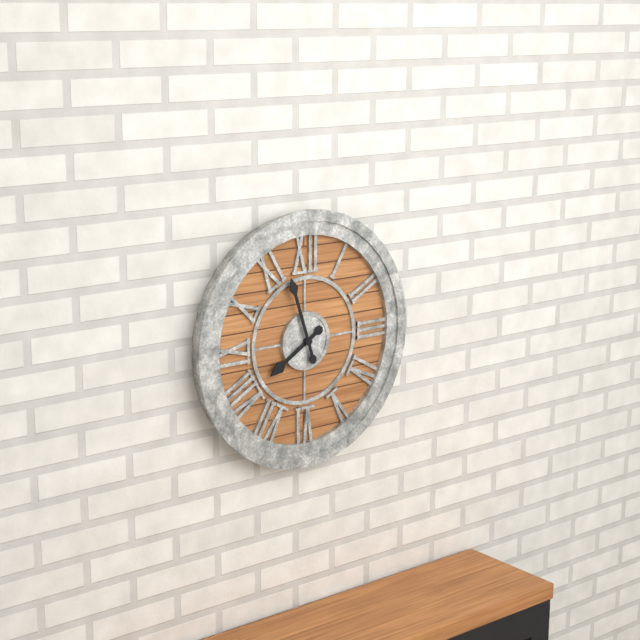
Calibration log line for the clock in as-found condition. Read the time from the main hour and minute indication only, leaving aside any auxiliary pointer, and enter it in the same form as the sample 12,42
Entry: 7,57
